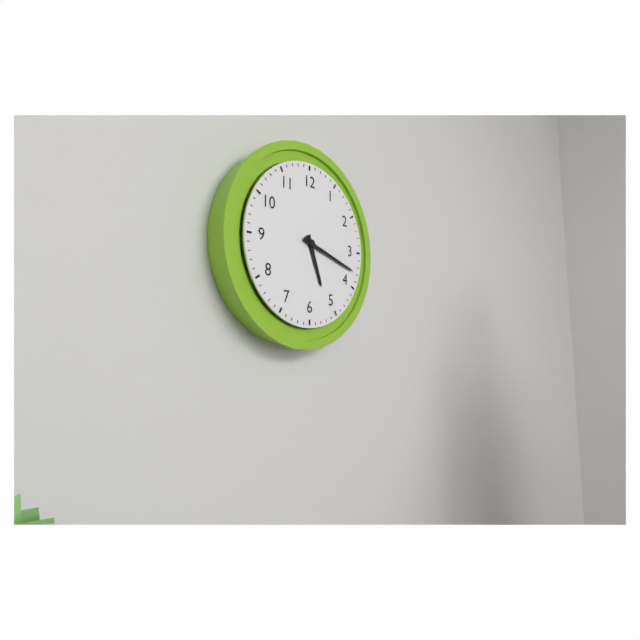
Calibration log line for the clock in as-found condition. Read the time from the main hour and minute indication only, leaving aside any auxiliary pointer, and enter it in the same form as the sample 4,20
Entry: 5,18
